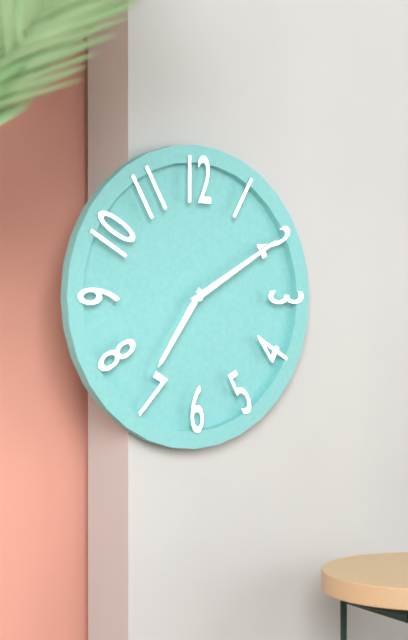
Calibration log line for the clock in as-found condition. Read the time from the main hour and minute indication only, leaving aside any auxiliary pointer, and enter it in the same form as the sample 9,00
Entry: 7,10
